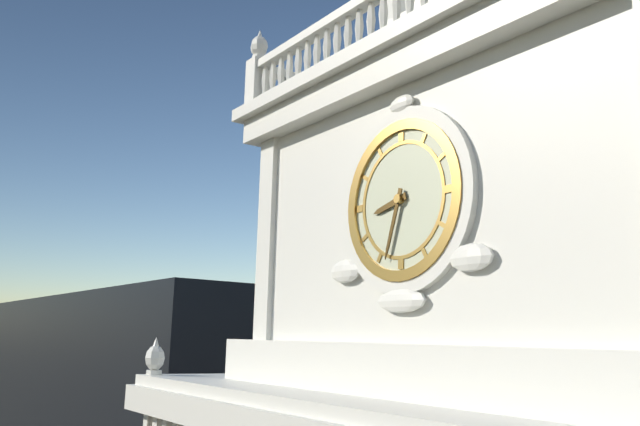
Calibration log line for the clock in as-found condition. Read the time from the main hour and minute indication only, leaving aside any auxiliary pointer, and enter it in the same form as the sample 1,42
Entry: 8,33
